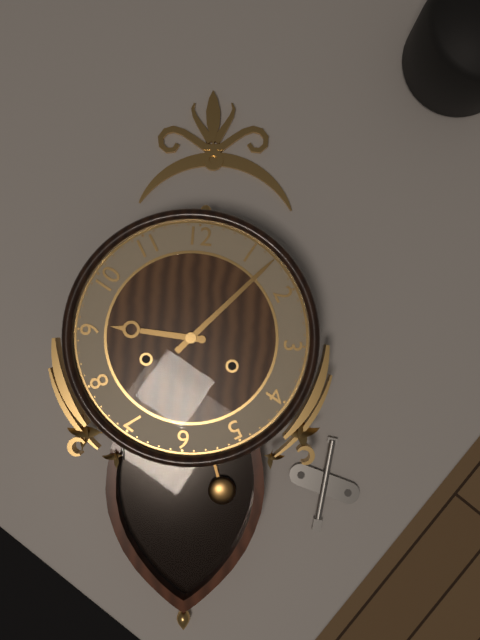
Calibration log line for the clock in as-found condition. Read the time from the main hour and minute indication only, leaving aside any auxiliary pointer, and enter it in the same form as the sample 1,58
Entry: 9,07
